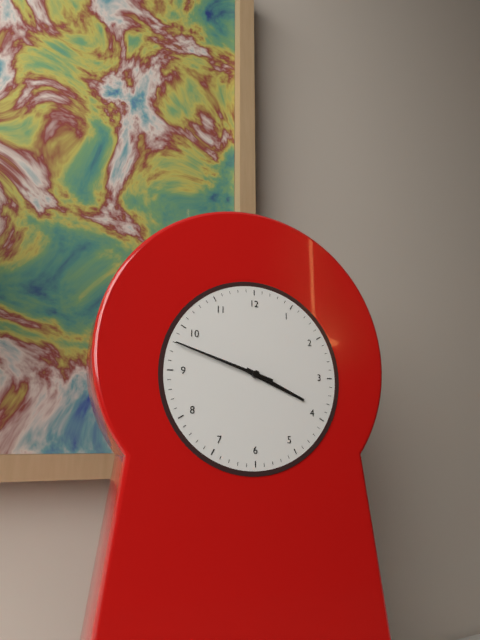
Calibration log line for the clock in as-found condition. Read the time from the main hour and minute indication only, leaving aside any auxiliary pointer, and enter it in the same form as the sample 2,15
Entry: 3,48
